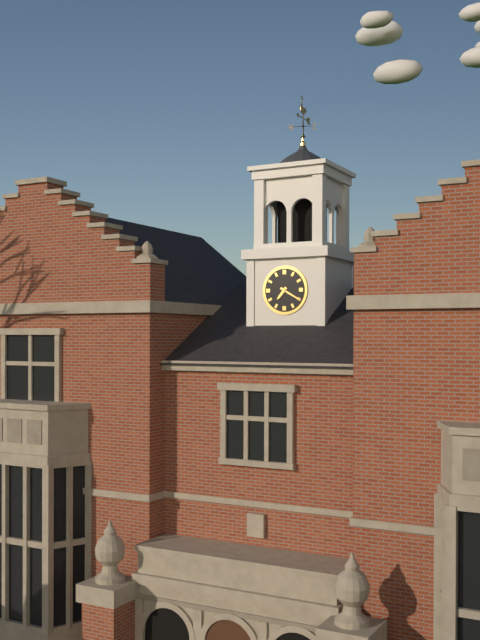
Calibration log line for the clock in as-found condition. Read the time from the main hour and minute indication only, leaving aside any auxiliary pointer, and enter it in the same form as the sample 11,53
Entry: 7,20
